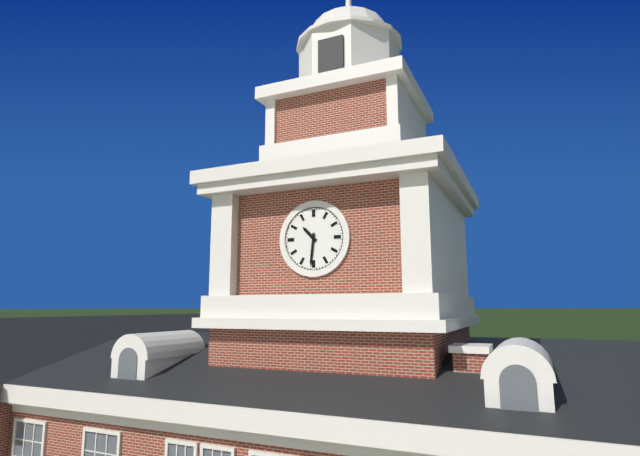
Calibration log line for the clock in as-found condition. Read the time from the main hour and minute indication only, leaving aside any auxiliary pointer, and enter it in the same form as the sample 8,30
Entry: 10,31
